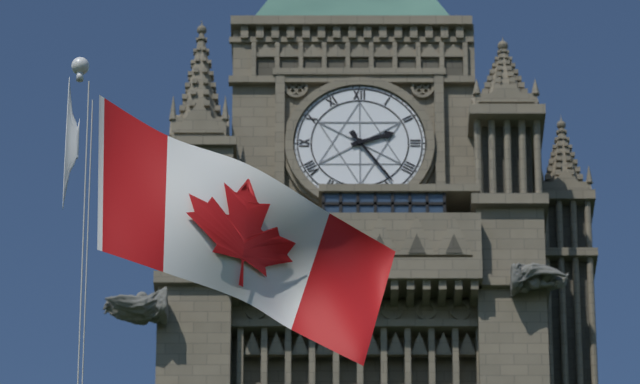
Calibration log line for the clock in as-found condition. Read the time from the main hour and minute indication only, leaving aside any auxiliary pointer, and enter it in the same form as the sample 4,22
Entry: 2,24
